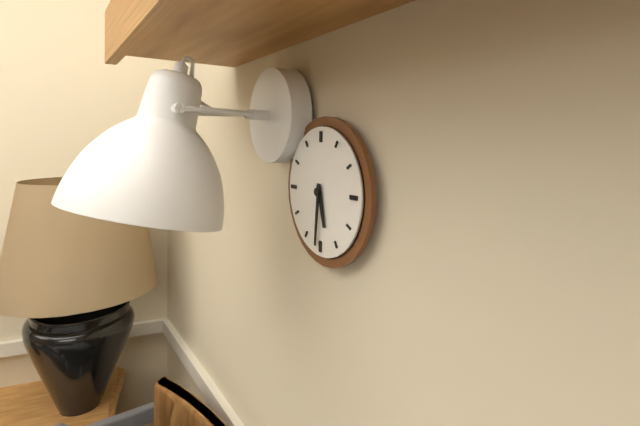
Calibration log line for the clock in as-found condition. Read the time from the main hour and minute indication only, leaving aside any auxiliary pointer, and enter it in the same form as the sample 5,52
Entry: 5,31
